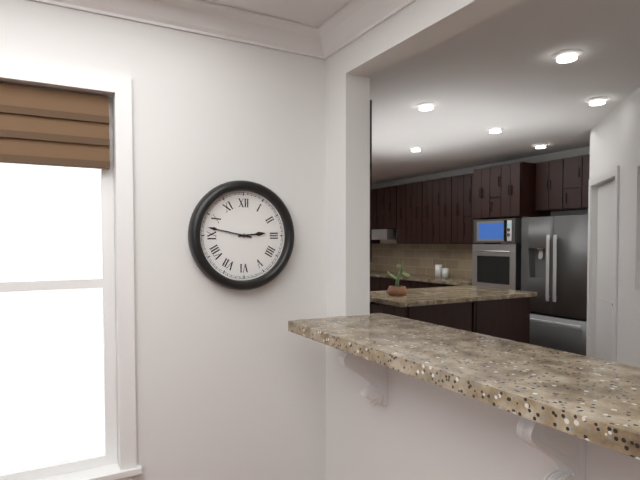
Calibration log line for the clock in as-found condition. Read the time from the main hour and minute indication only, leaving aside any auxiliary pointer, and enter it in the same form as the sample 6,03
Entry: 2,47
